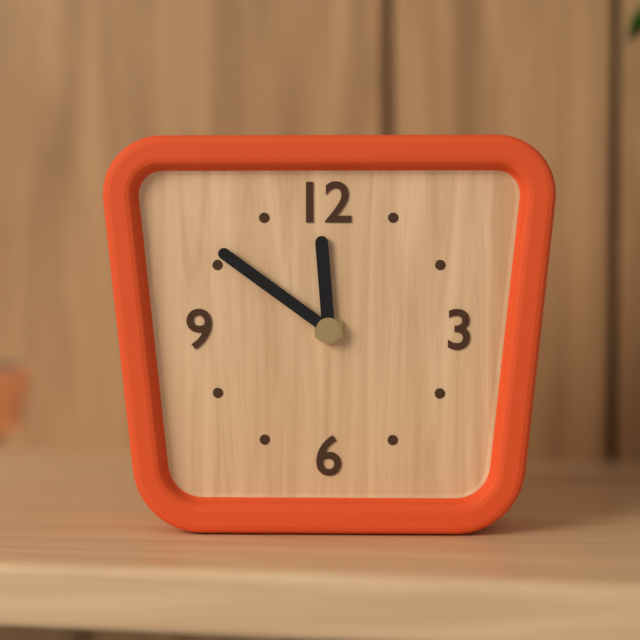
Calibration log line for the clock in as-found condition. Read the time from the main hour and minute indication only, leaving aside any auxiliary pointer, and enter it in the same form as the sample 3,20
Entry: 11,51
